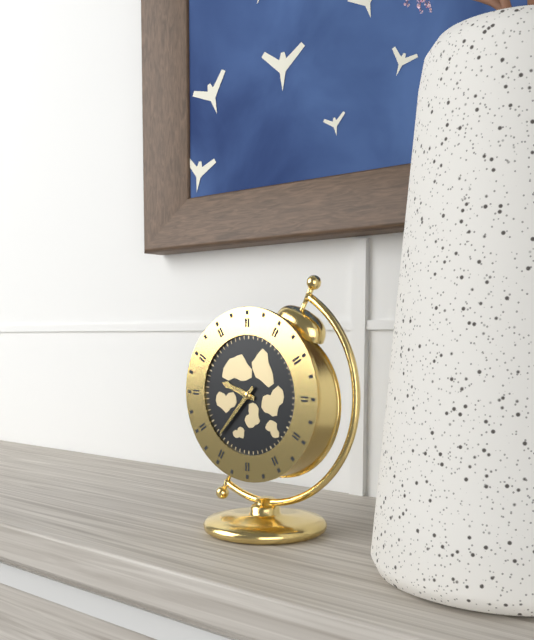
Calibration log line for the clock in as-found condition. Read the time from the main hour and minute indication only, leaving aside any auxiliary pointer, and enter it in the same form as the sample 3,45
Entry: 9,37
